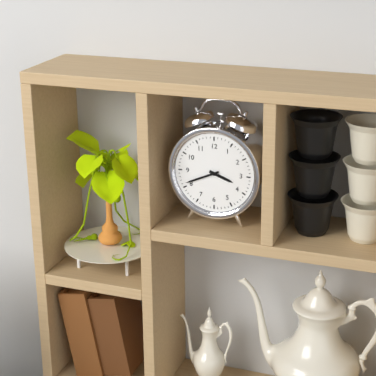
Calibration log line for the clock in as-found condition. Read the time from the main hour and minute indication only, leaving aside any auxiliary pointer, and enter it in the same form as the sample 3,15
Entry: 3,41
